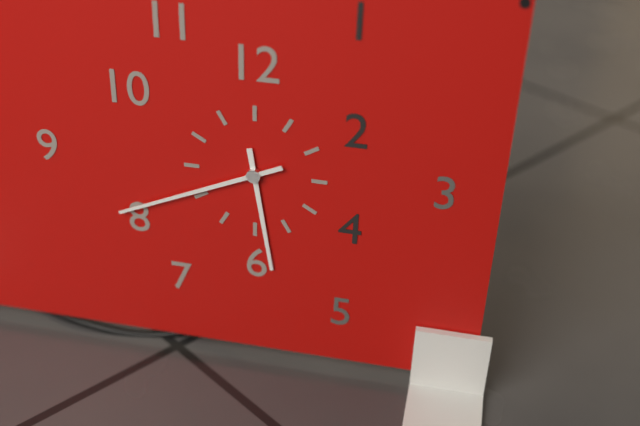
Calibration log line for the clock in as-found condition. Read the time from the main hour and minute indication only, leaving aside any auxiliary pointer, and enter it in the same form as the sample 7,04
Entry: 5,41
